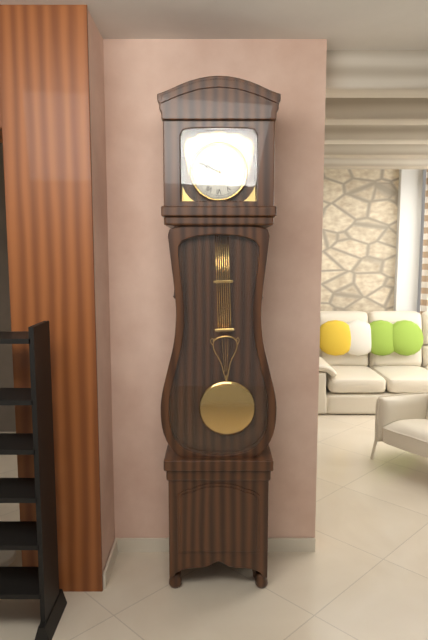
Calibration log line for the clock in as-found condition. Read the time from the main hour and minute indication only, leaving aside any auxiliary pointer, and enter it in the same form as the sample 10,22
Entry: 9,49
